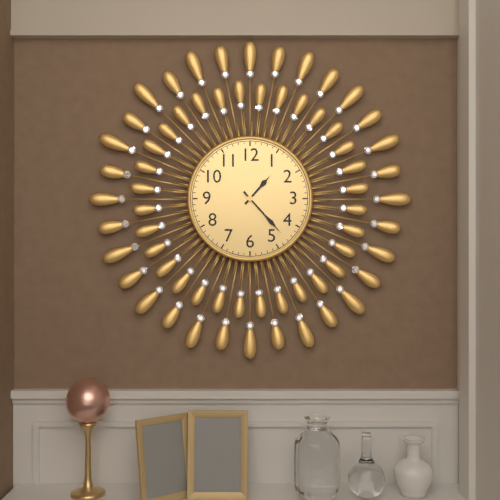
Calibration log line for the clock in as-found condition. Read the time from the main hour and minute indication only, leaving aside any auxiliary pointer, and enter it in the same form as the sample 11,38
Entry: 1,23
